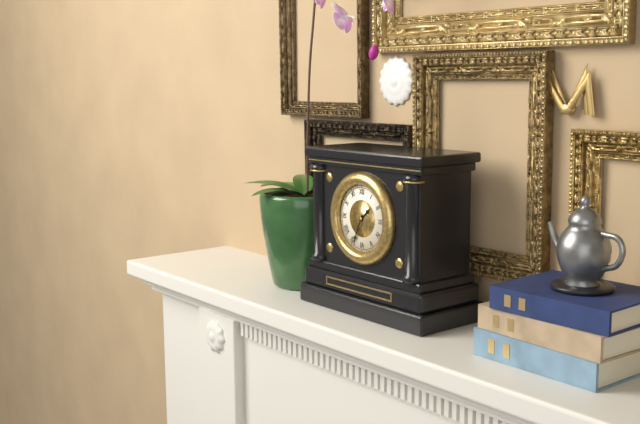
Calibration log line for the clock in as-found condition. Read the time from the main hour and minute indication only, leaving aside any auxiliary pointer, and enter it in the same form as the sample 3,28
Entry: 1,34
